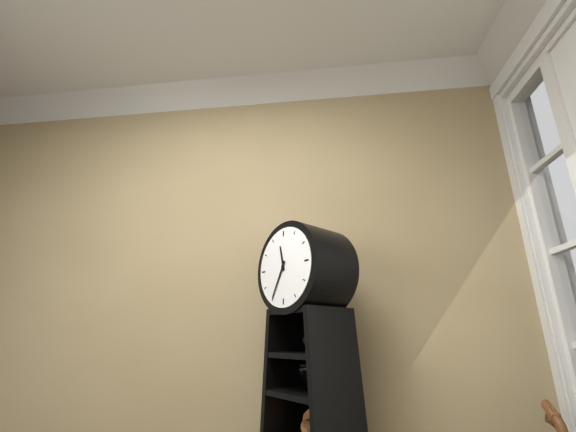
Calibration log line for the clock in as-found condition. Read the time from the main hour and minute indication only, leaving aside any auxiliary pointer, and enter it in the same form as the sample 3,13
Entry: 11,35
